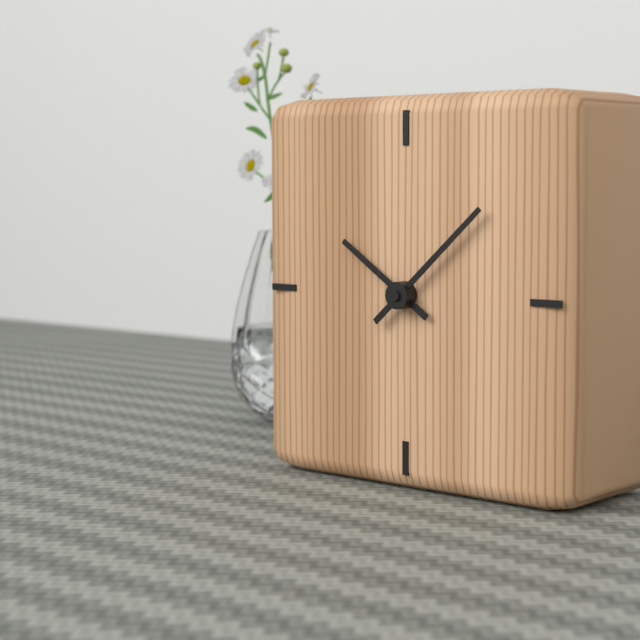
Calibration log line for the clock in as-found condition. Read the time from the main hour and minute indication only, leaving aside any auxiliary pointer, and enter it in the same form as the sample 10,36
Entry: 10,08
